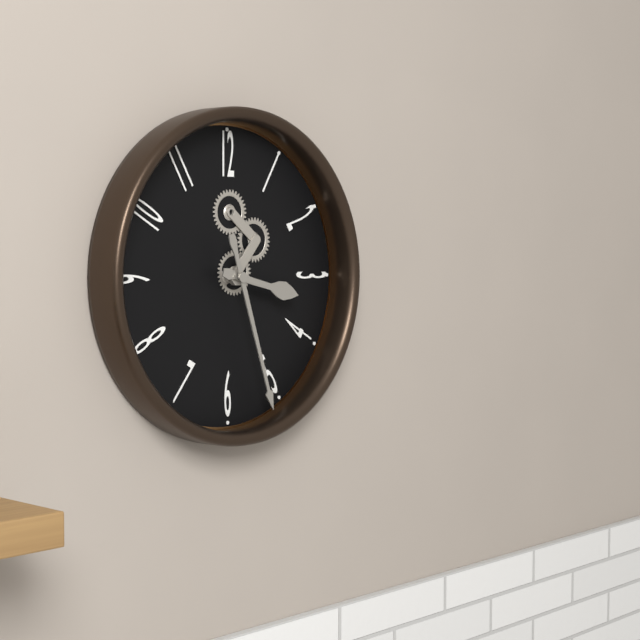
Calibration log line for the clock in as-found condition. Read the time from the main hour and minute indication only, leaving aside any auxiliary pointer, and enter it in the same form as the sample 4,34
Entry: 3,27
